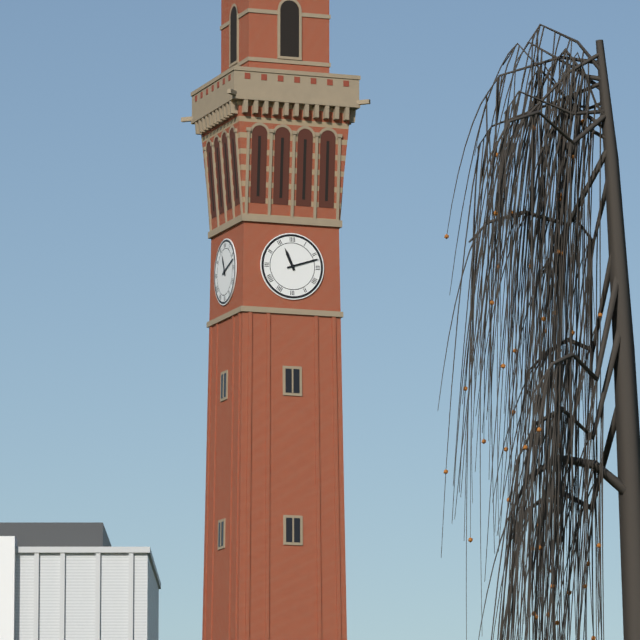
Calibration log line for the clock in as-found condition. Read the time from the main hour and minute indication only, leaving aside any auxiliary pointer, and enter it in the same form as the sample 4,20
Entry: 11,12
